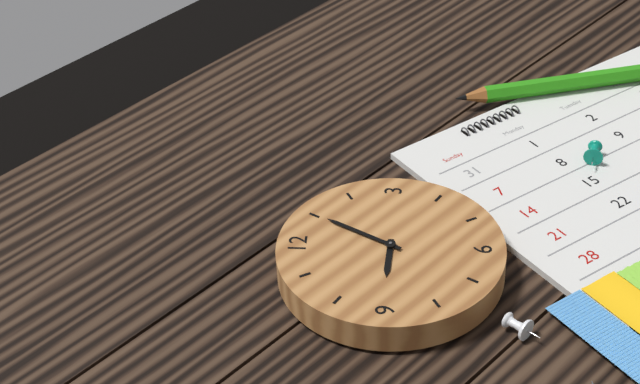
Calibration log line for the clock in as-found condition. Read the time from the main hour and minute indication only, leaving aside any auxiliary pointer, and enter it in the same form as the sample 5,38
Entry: 9,05
